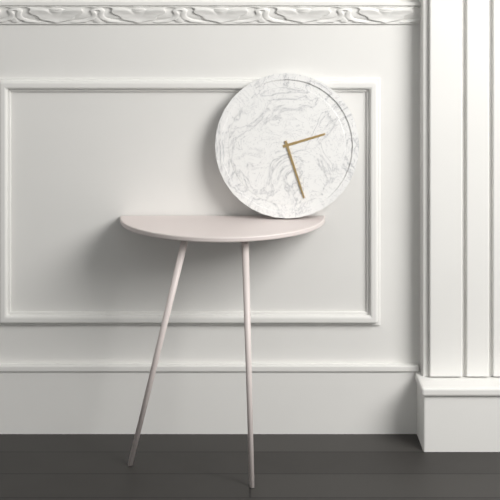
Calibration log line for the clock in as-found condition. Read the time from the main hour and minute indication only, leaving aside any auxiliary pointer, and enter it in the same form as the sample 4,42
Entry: 2,27
